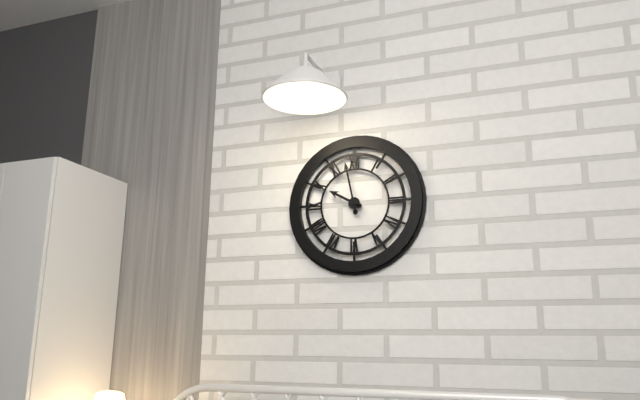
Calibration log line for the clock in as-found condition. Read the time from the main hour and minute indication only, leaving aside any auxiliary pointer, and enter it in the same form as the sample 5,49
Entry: 9,58
